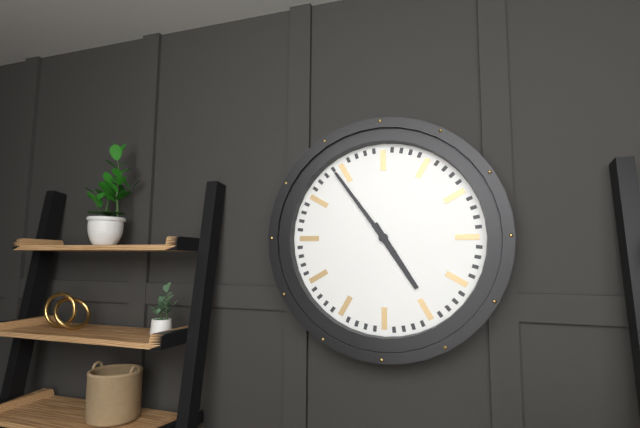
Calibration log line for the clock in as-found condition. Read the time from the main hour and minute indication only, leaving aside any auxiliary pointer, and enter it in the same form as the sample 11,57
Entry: 4,54
